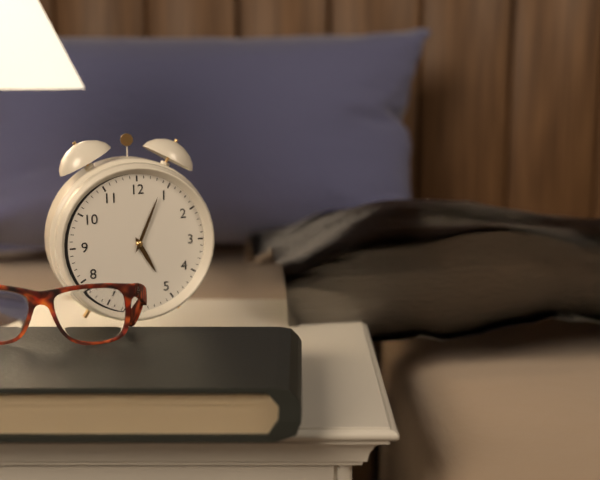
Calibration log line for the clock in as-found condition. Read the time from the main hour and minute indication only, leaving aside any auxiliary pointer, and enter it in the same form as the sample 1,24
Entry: 5,04
